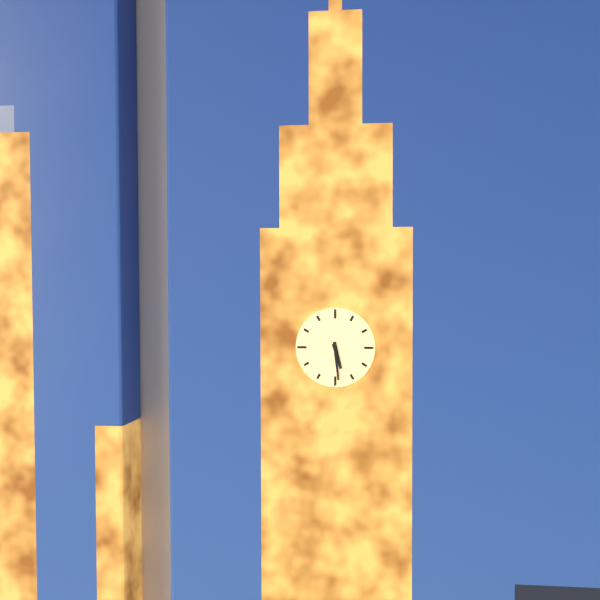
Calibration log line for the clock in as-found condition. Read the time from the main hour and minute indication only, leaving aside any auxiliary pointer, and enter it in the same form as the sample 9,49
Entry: 5,29
